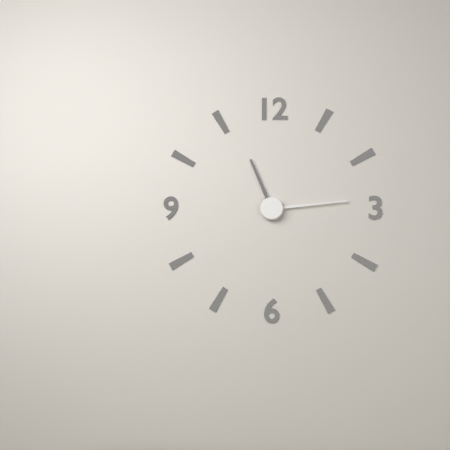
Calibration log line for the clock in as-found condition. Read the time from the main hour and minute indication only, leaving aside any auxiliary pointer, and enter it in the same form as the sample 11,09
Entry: 11,14
